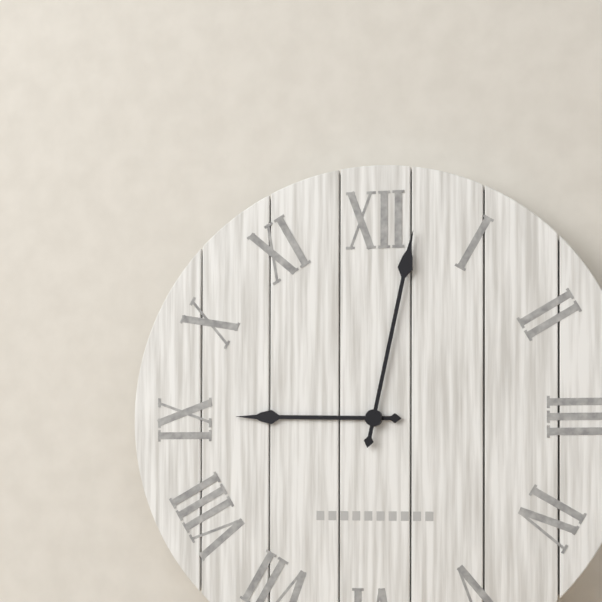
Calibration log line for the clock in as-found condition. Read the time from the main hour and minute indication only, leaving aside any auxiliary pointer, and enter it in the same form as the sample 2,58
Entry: 9,02
